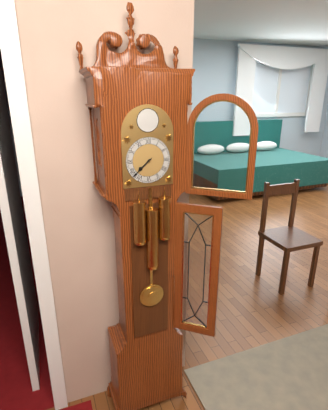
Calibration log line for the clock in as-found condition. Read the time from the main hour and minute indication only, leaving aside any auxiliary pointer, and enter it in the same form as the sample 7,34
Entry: 7,38
